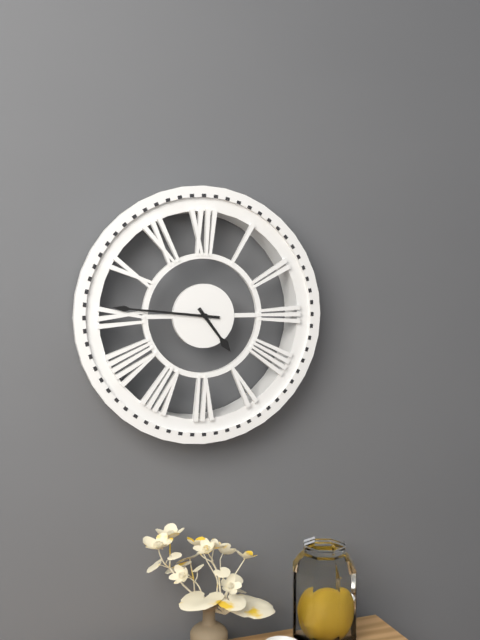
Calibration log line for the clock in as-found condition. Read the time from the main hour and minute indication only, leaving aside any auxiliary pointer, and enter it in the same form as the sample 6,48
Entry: 4,46
